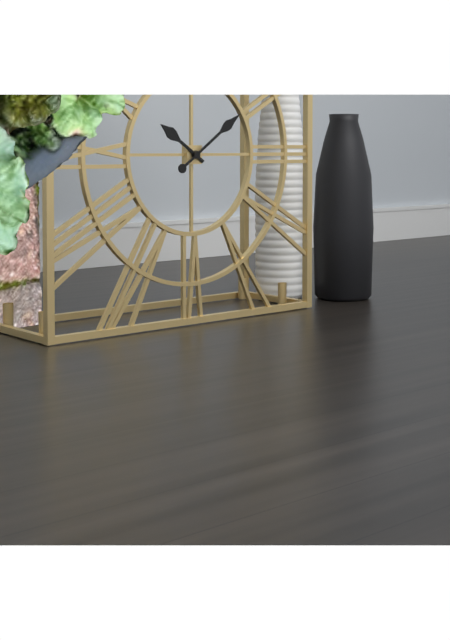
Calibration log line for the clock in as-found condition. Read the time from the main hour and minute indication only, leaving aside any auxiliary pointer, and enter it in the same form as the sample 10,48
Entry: 10,09
